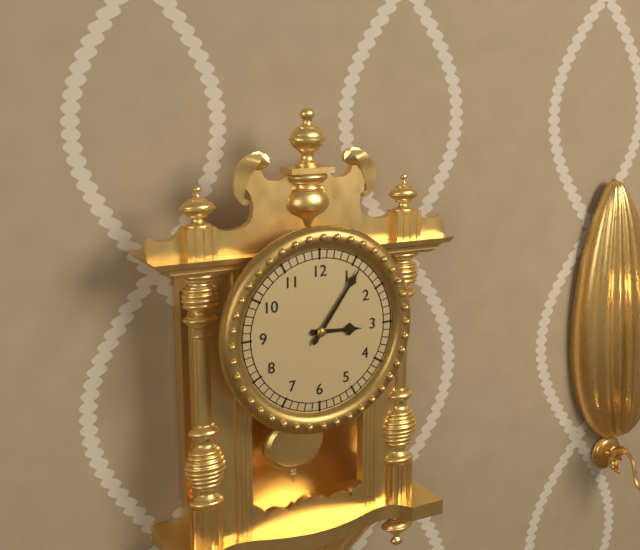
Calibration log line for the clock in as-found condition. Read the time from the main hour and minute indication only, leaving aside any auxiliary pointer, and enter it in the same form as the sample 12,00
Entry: 3,06
